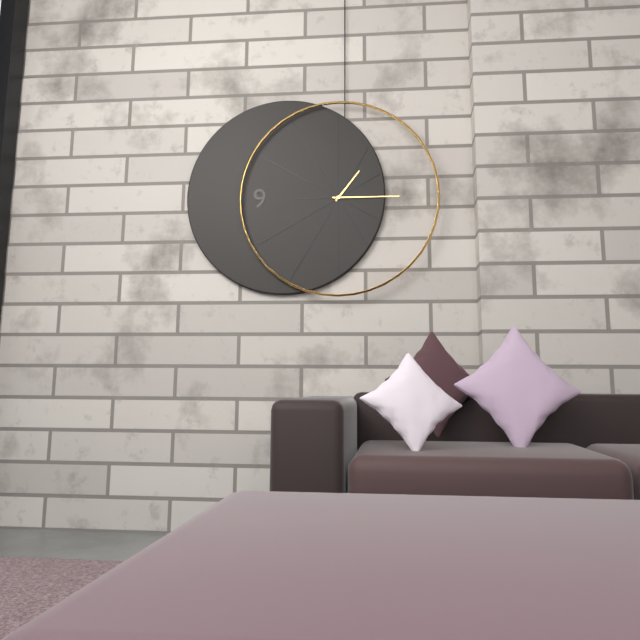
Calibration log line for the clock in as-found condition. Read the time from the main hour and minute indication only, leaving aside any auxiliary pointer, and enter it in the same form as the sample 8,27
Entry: 1,15
